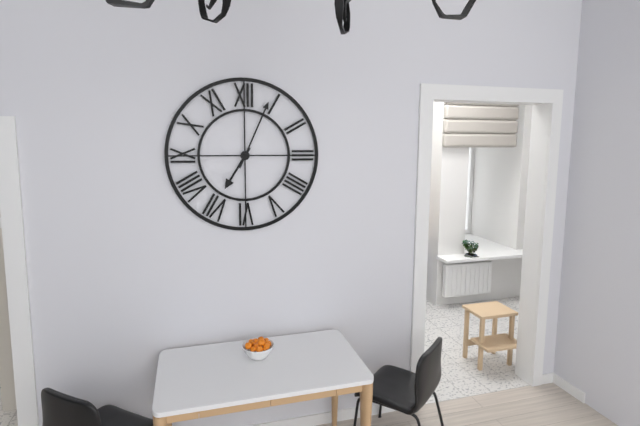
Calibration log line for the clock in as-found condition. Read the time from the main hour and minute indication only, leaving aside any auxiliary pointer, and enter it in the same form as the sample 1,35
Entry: 7,04
